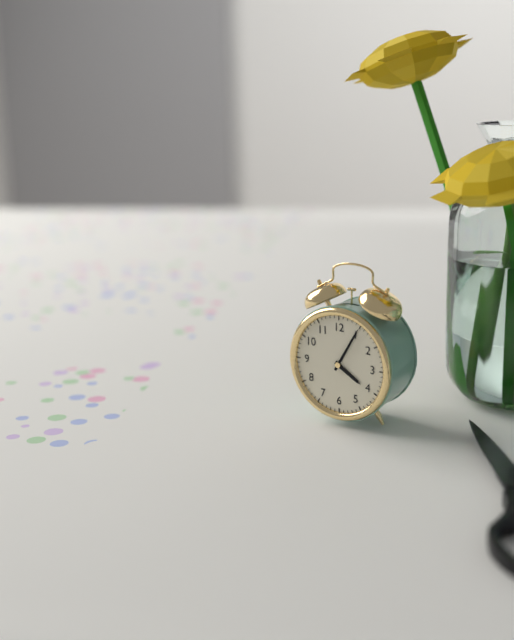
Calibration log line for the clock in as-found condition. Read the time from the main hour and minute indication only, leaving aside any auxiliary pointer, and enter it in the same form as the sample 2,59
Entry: 4,05
